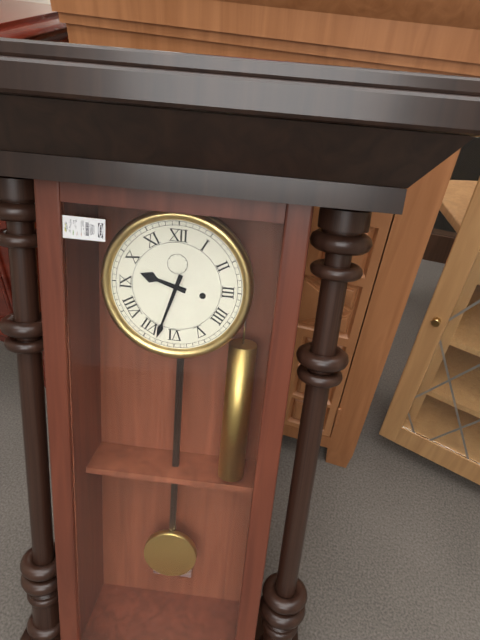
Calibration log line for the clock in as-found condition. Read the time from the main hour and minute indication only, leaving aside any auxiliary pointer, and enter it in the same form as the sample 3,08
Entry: 9,33
